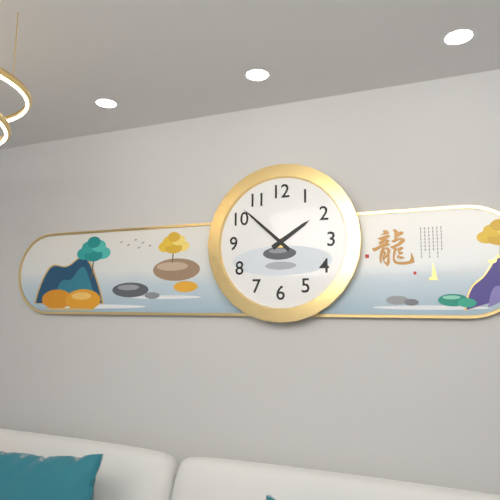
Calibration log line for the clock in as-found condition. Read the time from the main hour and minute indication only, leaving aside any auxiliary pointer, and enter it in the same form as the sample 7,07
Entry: 1,52
